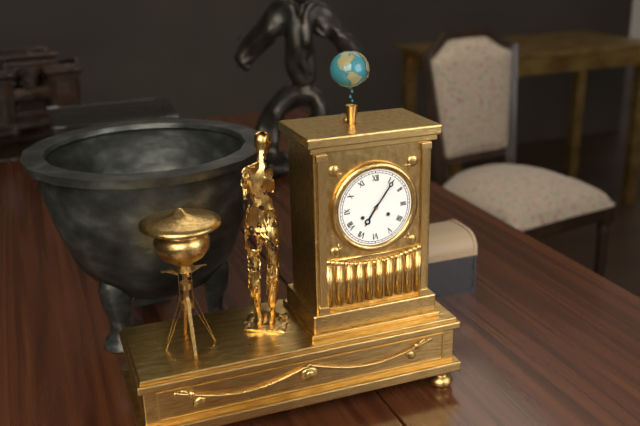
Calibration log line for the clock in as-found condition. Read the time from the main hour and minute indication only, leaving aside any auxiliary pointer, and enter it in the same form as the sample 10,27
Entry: 7,06
